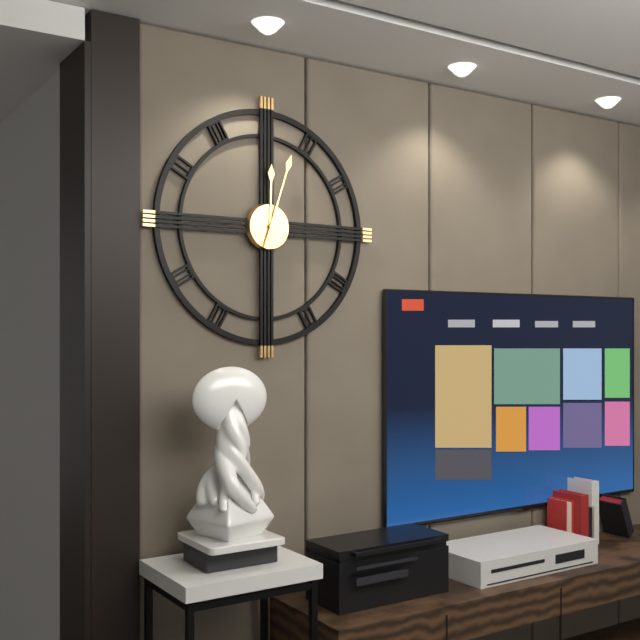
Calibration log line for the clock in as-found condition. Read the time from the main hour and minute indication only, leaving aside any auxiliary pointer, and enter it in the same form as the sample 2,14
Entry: 12,03
